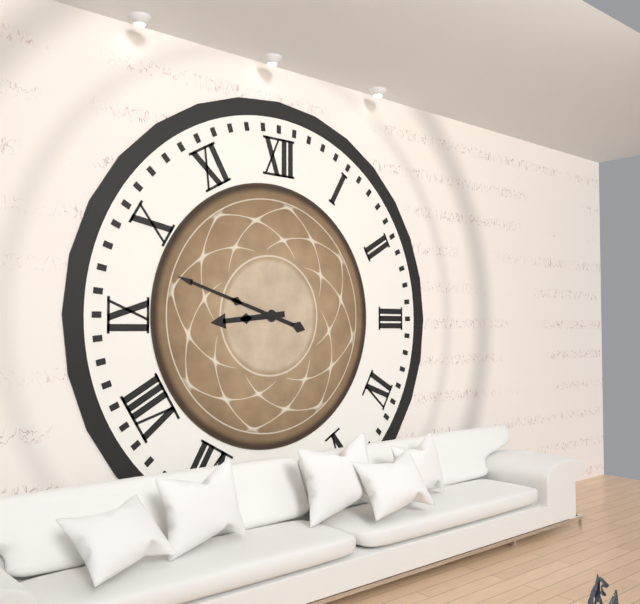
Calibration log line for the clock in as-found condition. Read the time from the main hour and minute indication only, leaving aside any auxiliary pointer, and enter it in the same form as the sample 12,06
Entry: 8,48
